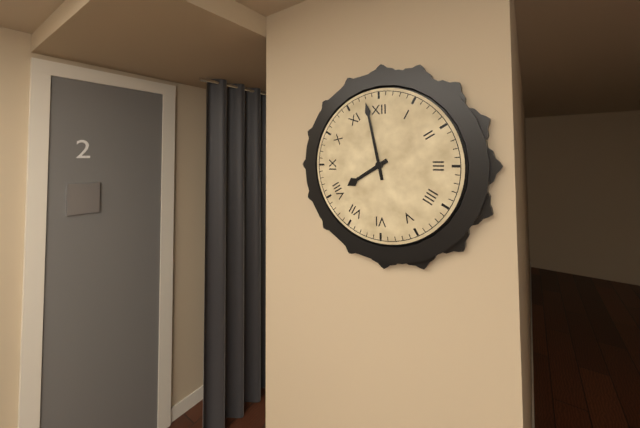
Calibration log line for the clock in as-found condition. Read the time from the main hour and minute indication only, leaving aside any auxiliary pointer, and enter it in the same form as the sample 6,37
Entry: 7,58
